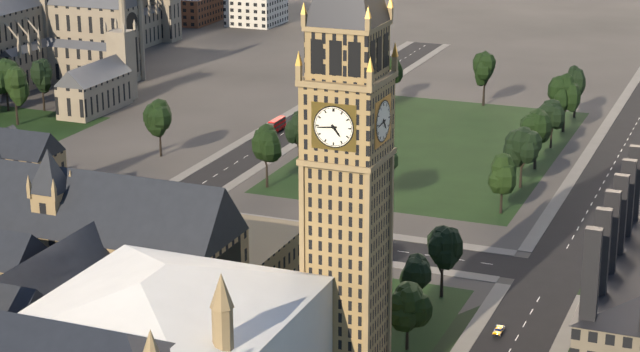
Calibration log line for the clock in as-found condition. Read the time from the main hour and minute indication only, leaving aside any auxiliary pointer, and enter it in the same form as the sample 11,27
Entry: 4,44
